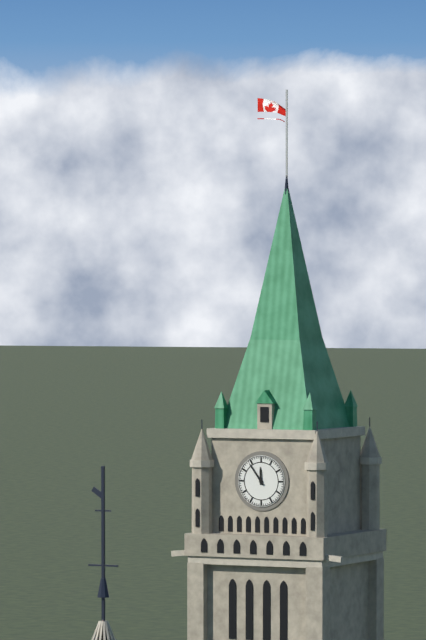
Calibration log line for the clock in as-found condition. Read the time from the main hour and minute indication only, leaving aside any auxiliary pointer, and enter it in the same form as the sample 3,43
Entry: 11,54
